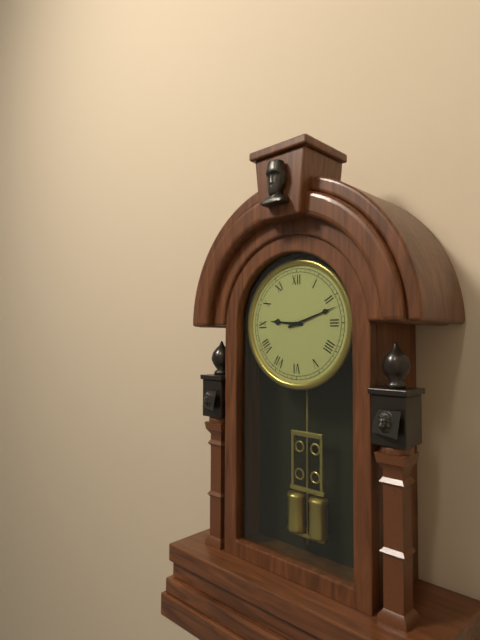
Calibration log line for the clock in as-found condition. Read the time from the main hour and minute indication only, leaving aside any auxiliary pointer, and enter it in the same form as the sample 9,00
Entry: 9,12
